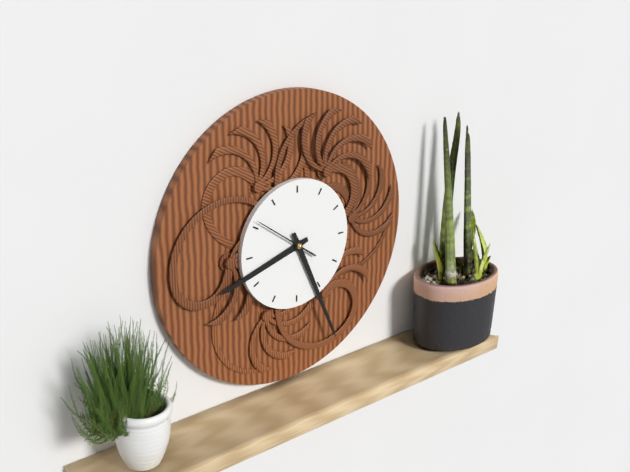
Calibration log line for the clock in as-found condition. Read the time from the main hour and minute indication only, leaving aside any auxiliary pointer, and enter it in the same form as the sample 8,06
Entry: 8,26
